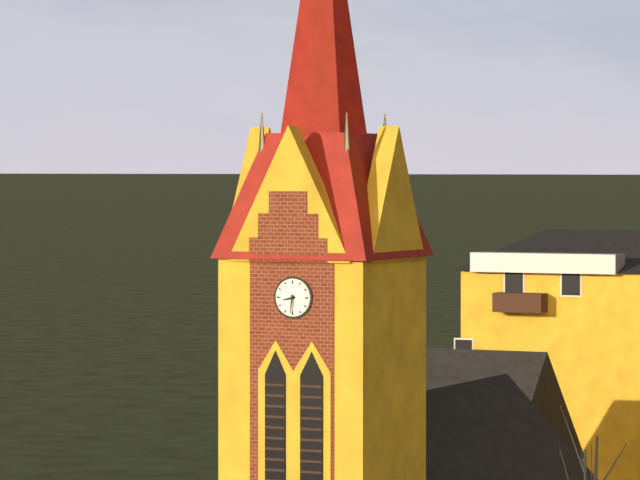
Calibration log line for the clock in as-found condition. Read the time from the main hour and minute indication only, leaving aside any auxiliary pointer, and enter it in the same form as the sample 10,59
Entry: 8,31
